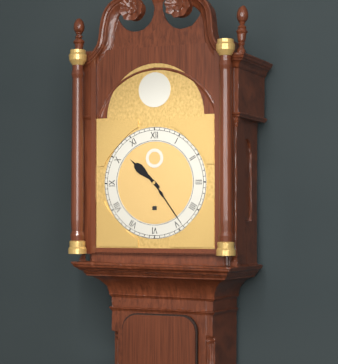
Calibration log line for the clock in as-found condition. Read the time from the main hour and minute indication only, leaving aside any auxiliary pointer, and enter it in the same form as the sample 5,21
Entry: 10,24
